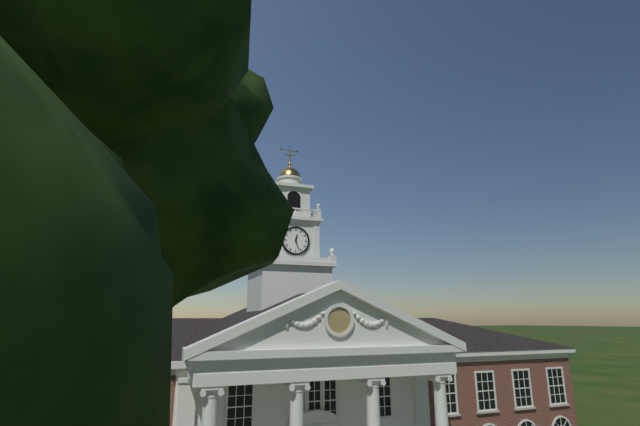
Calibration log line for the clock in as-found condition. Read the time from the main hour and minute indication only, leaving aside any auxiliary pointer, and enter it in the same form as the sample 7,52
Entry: 12,27
